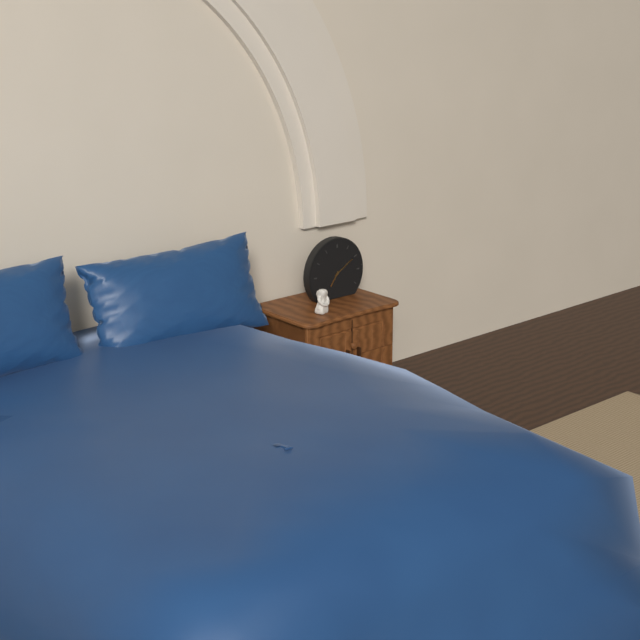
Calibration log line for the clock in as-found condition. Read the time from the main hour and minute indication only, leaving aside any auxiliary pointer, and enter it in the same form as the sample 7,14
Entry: 7,10
